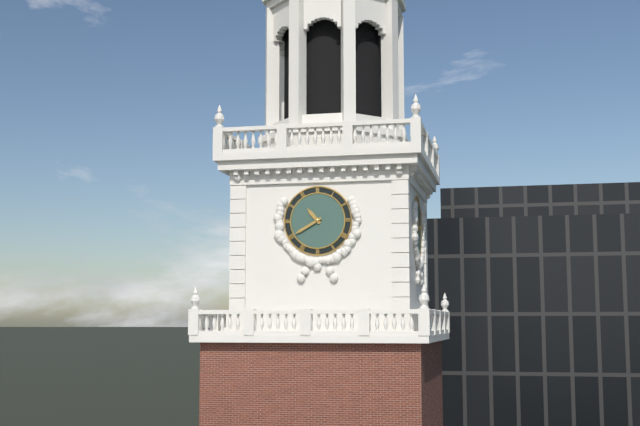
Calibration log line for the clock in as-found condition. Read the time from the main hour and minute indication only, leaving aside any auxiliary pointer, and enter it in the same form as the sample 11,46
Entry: 10,40
